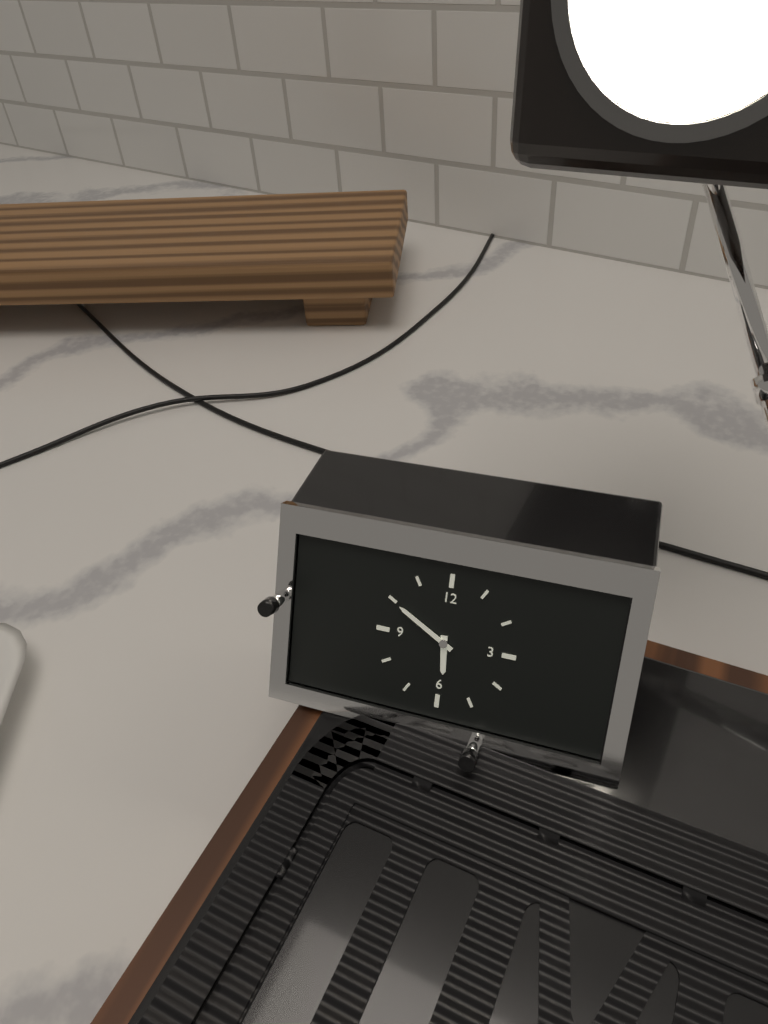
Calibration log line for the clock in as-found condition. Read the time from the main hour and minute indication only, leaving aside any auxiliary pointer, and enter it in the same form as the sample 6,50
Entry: 5,50
